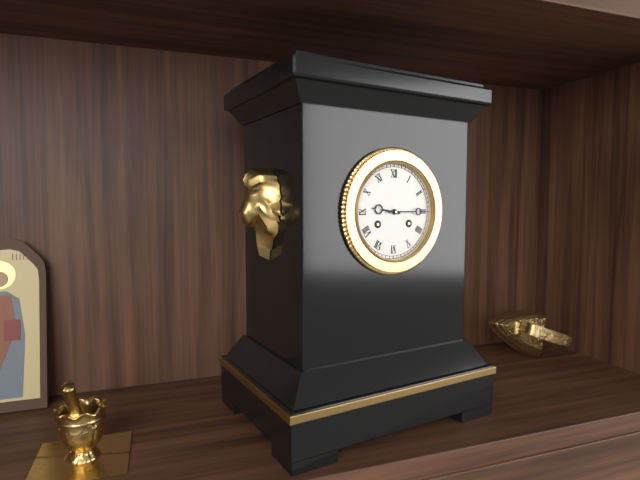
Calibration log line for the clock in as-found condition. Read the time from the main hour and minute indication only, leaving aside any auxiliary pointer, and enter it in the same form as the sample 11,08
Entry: 9,15
